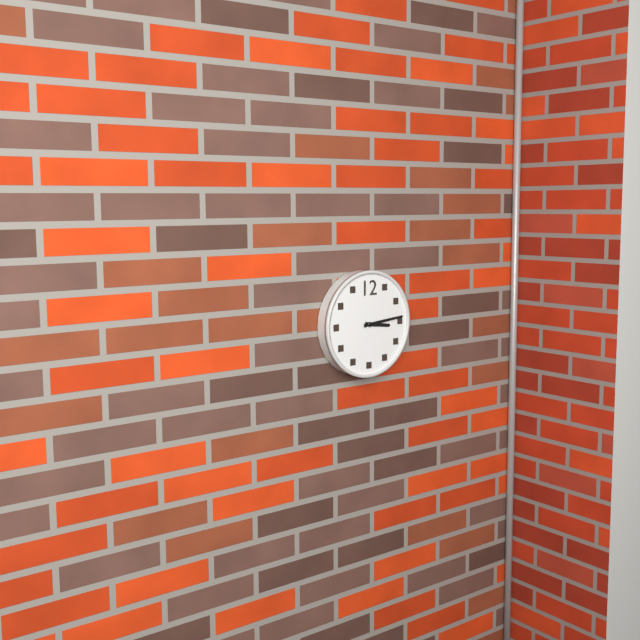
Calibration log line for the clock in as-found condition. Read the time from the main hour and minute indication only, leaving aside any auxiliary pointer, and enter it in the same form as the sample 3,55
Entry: 3,14
